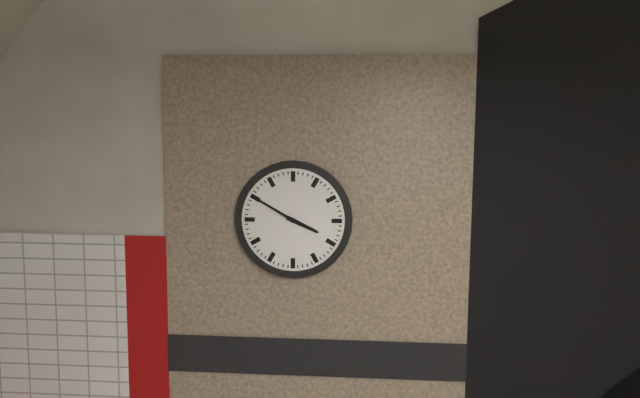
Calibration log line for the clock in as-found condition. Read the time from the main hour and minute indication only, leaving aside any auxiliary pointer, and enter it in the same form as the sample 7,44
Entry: 3,50
